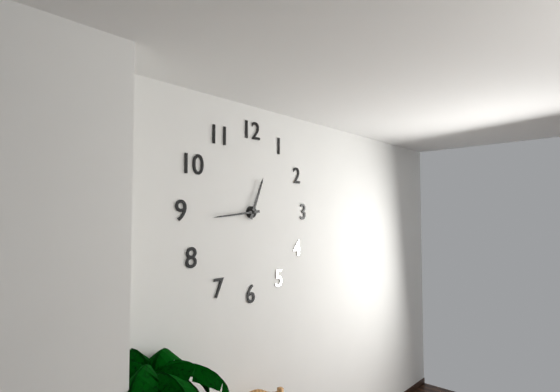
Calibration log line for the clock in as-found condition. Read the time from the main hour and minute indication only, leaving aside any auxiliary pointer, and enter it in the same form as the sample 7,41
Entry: 12,44
